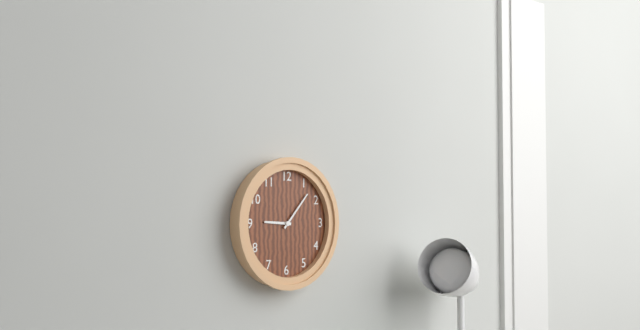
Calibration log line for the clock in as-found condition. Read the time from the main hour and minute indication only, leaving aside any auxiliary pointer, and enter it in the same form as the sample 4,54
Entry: 9,07
